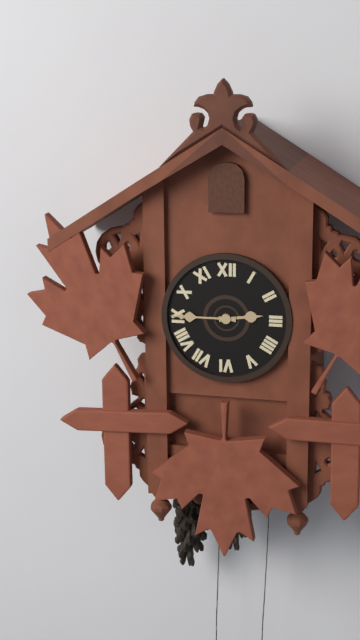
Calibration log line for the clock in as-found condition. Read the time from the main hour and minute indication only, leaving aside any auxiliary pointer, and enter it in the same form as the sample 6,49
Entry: 2,45
